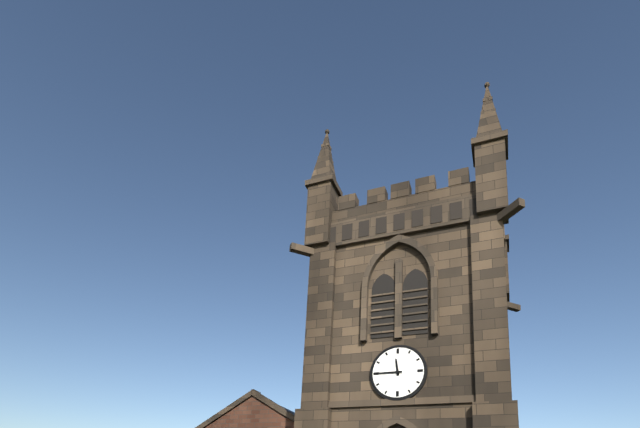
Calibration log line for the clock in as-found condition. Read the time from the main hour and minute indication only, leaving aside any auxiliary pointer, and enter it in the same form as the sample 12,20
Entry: 11,45
